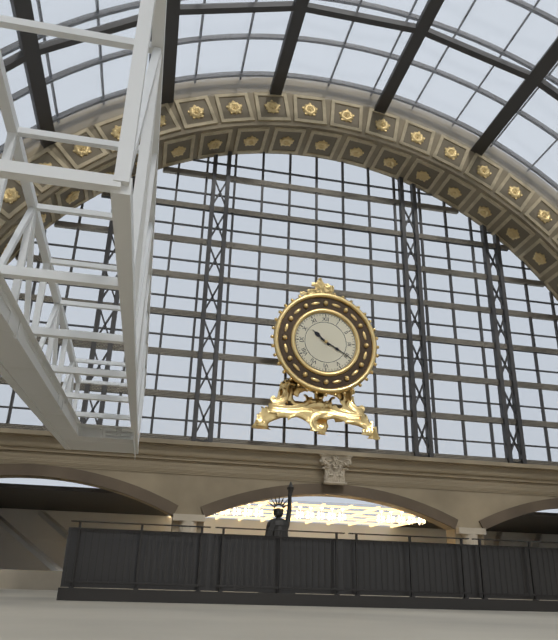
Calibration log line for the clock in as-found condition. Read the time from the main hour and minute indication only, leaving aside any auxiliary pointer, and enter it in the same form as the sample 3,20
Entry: 10,20
